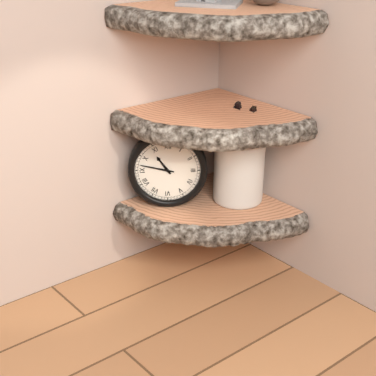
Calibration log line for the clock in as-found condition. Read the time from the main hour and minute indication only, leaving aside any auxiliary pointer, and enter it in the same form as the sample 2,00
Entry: 10,47
